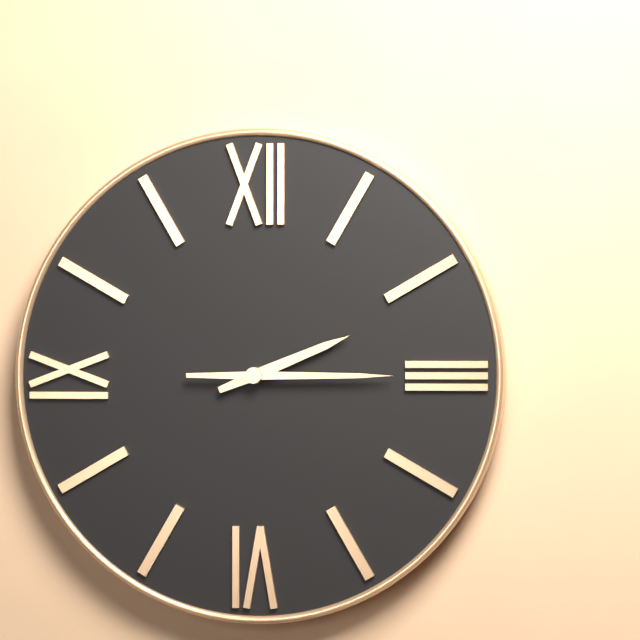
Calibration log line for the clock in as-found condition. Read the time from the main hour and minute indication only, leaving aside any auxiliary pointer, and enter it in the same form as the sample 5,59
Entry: 2,15
